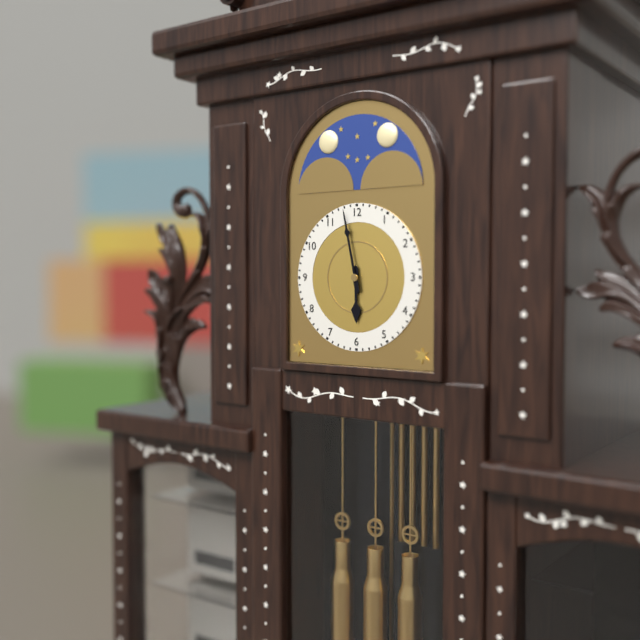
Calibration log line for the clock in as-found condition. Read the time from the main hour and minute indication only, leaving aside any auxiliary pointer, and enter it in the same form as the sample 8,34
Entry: 5,58
